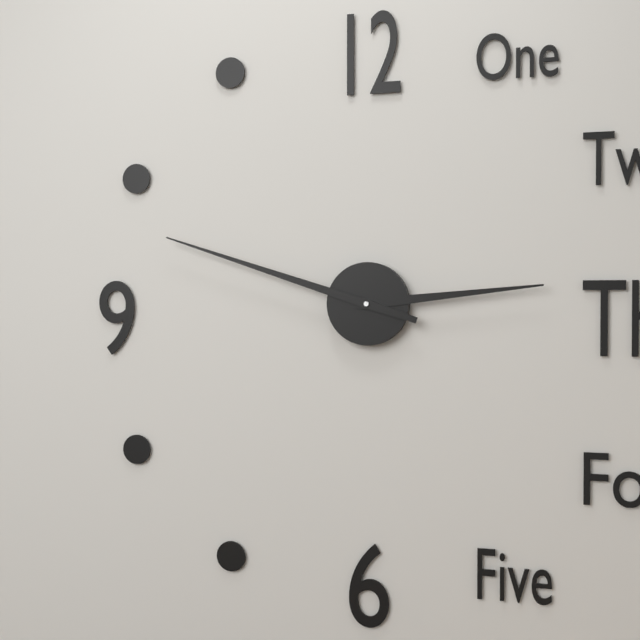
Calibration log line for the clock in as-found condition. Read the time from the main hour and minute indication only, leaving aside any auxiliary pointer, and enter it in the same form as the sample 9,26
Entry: 2,48
